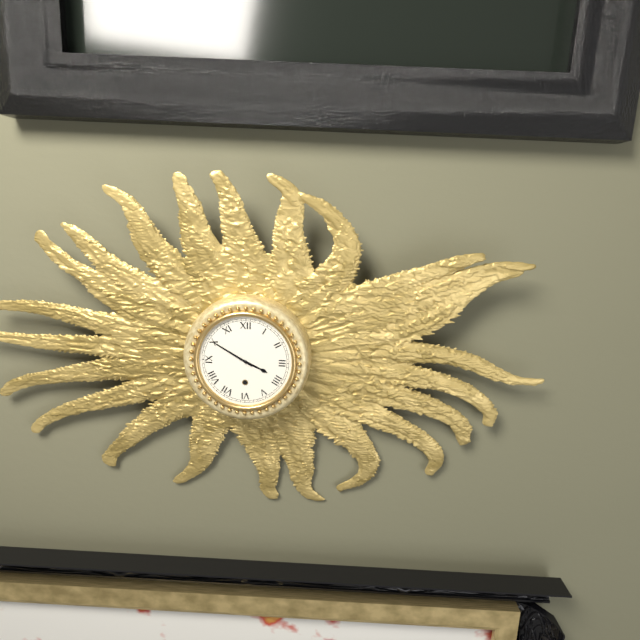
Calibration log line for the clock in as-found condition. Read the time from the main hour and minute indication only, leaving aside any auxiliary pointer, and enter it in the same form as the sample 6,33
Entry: 3,50
